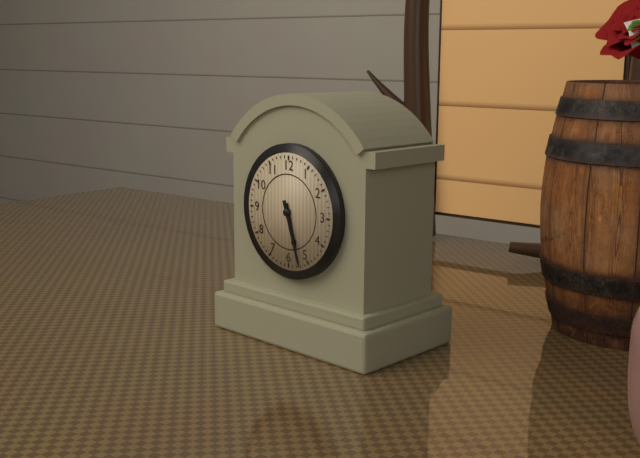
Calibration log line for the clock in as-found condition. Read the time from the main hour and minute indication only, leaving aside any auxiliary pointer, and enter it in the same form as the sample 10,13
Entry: 5,27
